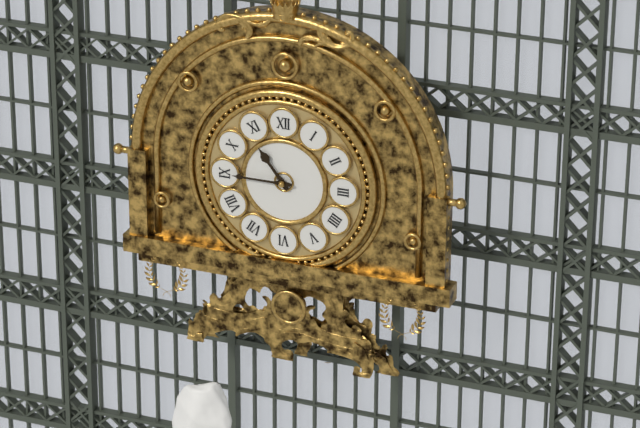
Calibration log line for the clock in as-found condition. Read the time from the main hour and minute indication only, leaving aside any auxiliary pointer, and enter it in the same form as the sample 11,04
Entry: 10,45
